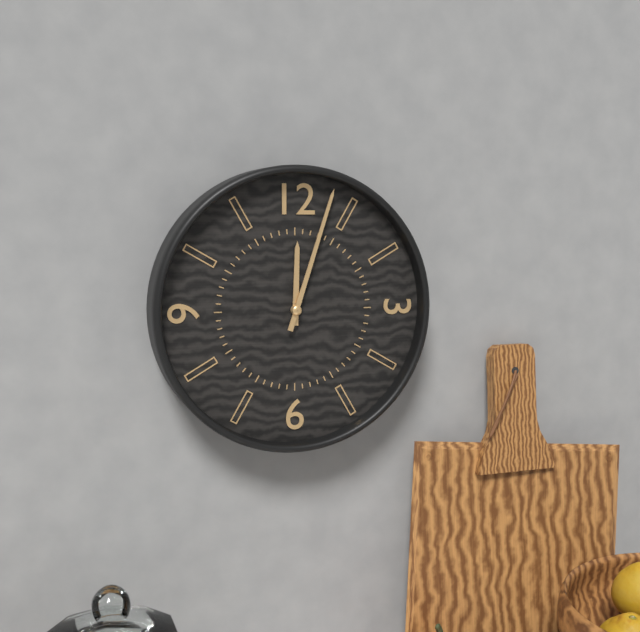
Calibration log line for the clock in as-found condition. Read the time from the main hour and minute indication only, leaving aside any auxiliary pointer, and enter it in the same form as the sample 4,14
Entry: 12,03
